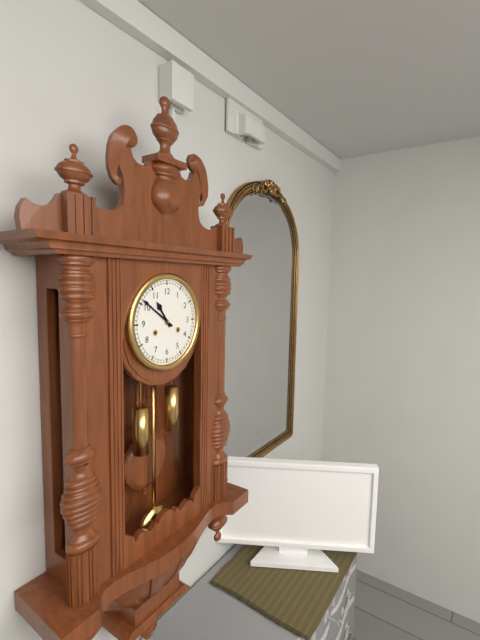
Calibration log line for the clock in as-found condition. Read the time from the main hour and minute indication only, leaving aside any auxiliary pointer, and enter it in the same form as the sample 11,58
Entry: 10,51
